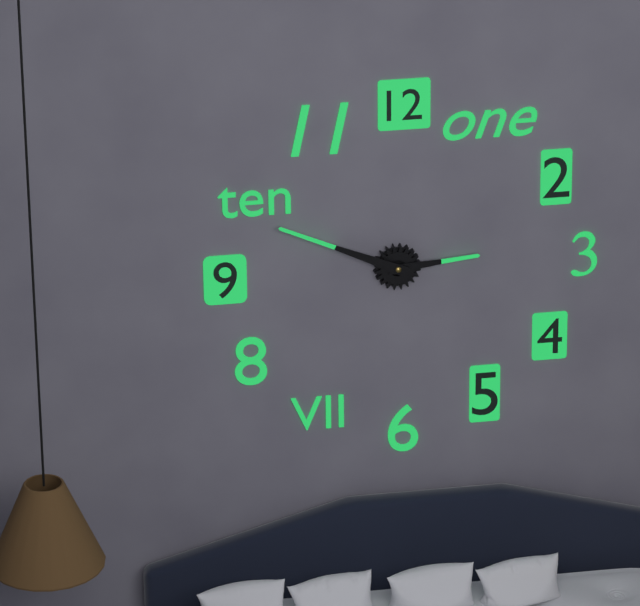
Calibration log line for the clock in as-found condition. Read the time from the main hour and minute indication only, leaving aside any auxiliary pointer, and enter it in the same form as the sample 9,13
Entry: 2,49
